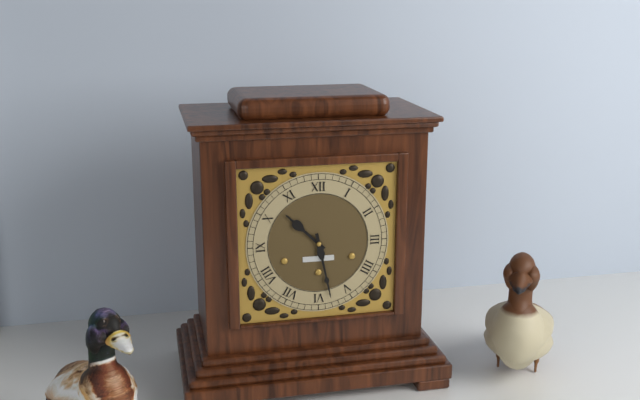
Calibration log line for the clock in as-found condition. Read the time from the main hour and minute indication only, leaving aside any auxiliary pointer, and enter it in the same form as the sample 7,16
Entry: 10,28
